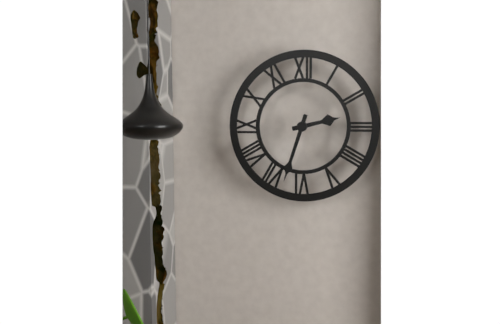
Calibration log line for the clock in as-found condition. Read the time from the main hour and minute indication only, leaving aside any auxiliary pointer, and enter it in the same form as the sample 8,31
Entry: 2,33
